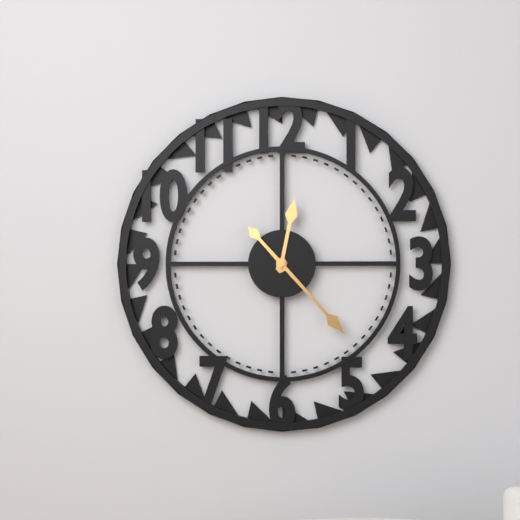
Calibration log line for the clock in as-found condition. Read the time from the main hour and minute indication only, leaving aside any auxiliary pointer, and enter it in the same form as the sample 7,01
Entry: 12,23
